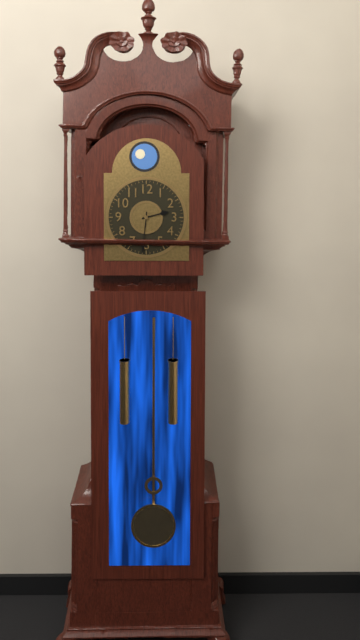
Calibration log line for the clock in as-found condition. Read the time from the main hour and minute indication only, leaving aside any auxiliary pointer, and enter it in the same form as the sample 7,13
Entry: 2,31
